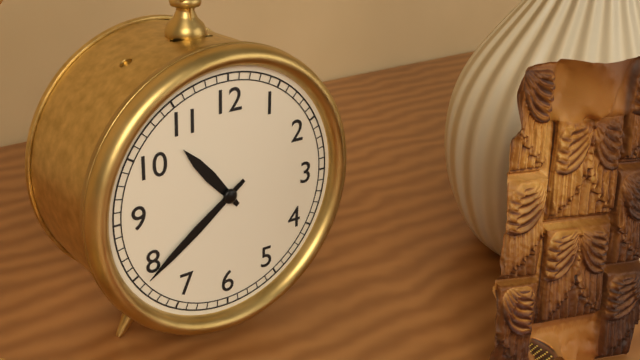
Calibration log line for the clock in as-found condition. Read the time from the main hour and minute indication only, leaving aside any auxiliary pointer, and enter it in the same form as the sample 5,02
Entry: 10,39
